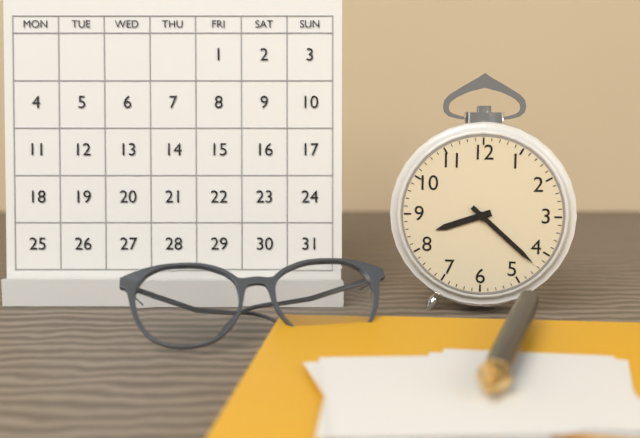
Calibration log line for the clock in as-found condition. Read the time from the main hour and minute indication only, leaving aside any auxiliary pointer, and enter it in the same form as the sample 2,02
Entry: 8,22
